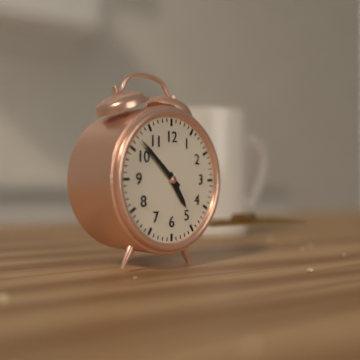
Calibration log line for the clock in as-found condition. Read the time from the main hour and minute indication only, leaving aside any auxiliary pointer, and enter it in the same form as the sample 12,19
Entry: 4,52
